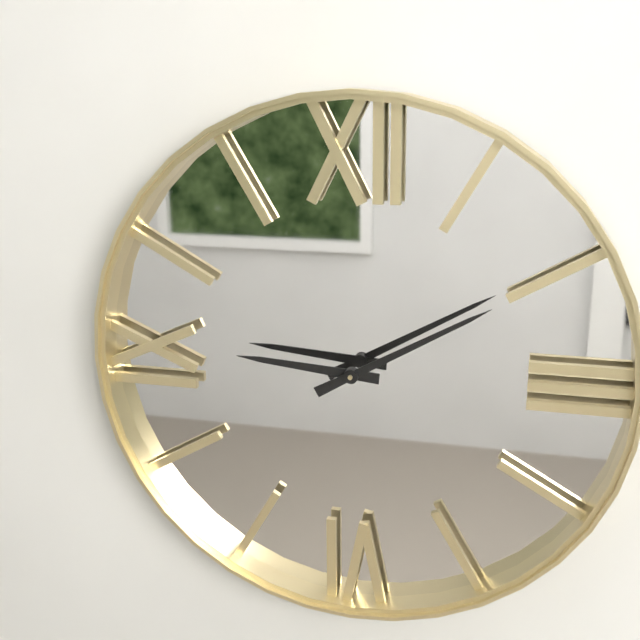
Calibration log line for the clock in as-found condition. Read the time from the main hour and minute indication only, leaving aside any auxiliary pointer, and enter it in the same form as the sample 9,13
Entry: 9,10
